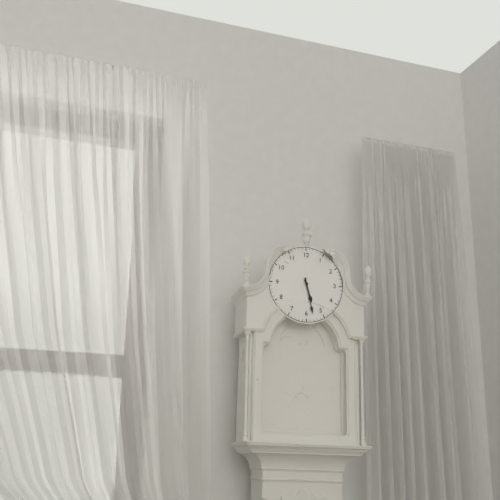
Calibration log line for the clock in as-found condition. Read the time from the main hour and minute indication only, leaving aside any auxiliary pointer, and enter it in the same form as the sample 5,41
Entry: 5,28
